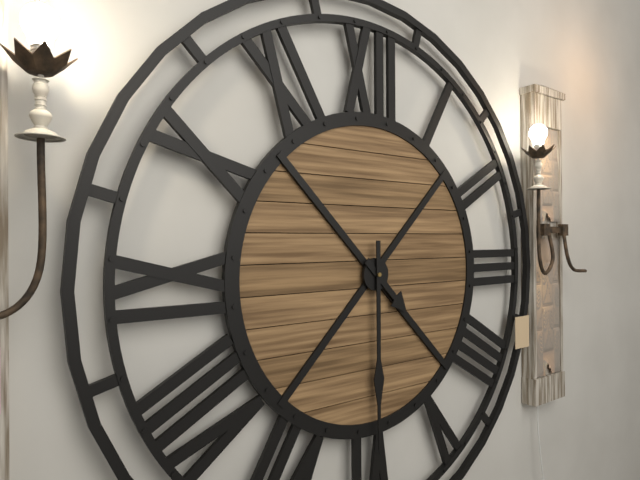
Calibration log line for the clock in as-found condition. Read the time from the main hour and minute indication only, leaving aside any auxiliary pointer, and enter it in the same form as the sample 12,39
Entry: 4,30
